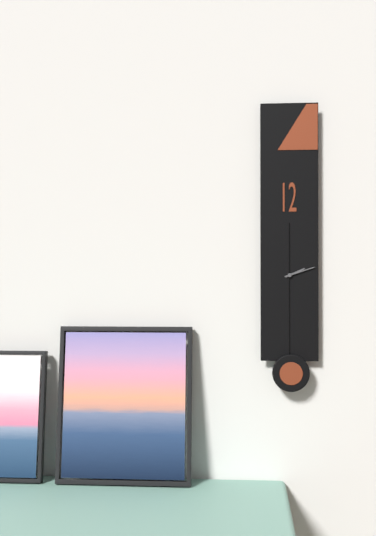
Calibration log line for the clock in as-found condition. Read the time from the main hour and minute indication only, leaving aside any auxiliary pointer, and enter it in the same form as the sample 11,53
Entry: 2,12
